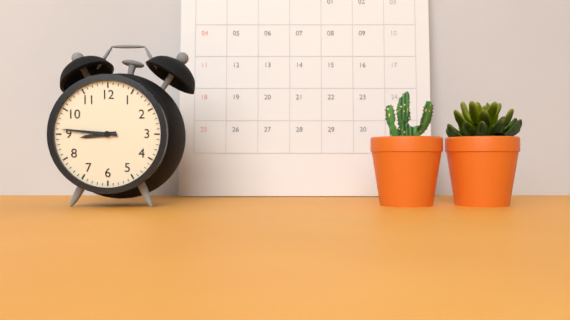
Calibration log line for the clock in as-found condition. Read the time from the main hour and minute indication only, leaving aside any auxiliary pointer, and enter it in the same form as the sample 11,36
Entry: 8,46
